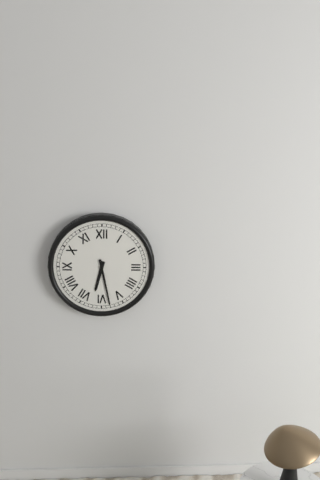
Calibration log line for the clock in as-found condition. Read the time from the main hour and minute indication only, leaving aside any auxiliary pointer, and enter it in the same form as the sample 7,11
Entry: 6,28
